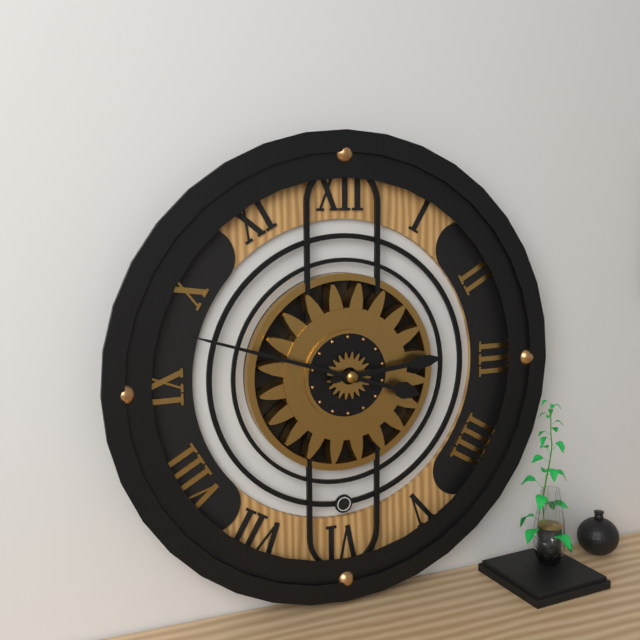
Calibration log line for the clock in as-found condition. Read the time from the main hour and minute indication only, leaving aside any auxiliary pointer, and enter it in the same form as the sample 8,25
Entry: 2,48
